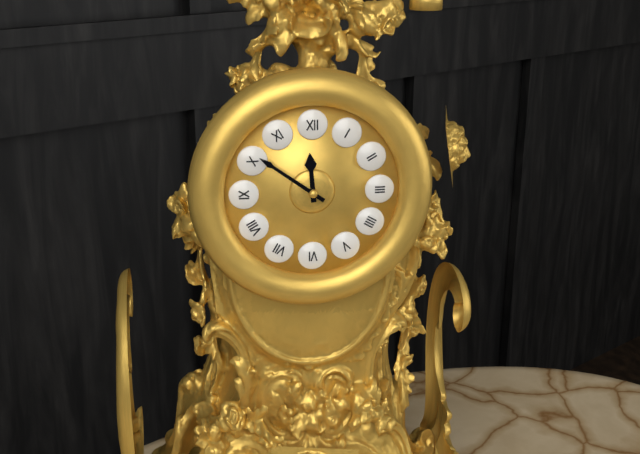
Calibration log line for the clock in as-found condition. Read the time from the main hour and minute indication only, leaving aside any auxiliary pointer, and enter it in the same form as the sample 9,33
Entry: 11,51
